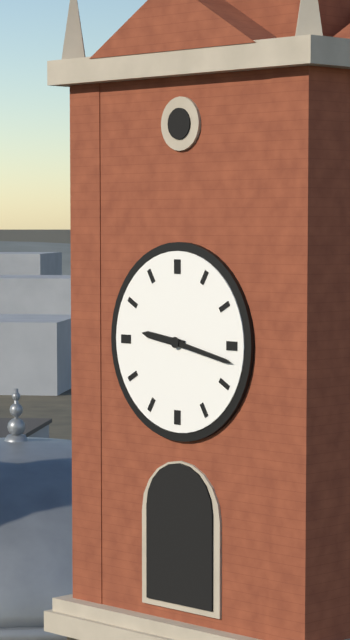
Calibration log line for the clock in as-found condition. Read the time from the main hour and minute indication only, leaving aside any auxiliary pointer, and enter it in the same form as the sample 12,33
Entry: 9,17
